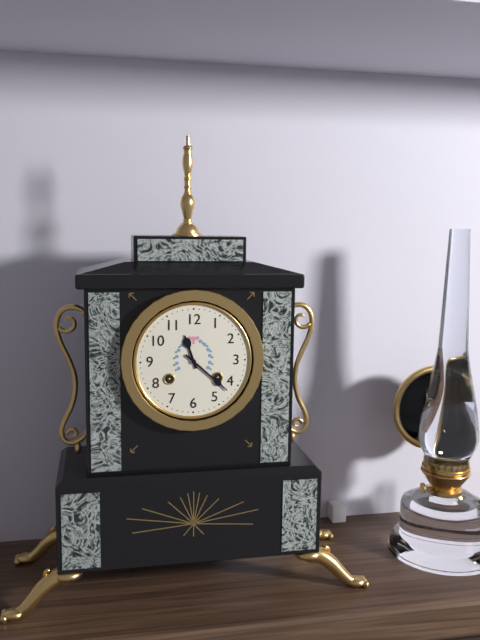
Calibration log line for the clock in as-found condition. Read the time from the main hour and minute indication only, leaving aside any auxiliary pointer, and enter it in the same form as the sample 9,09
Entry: 11,22
